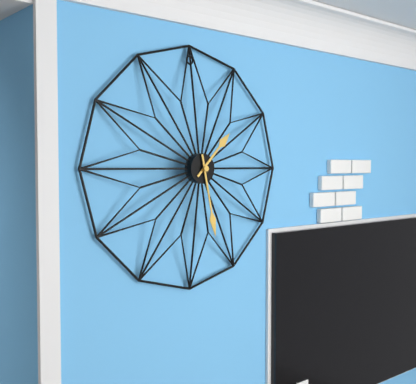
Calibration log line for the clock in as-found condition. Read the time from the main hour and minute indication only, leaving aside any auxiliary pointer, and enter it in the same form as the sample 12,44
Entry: 1,28
